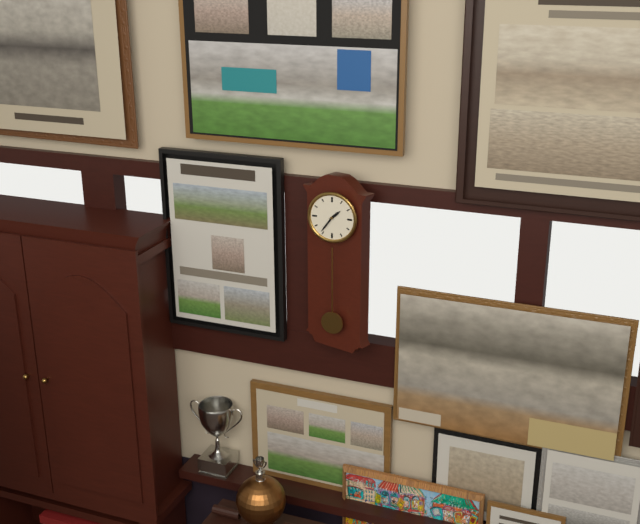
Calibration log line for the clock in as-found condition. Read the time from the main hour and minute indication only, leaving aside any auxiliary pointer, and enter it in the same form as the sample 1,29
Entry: 1,36
